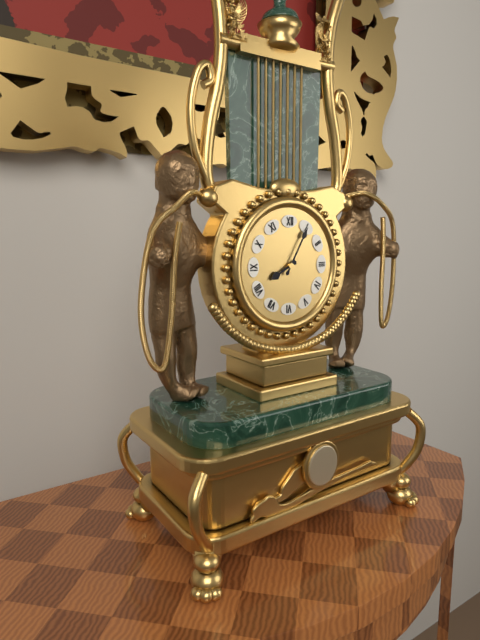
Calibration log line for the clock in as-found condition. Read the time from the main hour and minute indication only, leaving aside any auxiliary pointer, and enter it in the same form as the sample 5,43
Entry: 8,05
